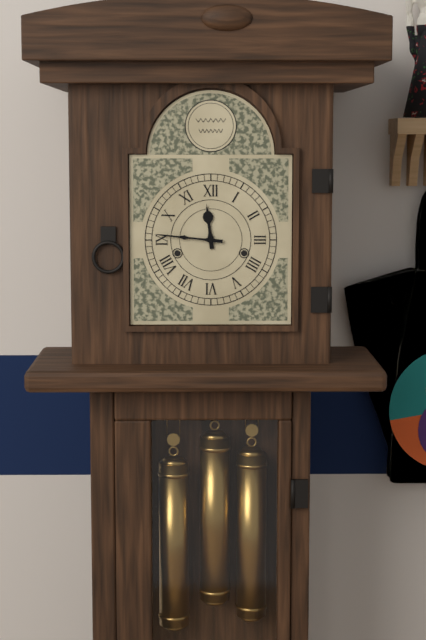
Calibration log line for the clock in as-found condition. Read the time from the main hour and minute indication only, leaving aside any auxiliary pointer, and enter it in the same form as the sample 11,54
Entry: 11,46
